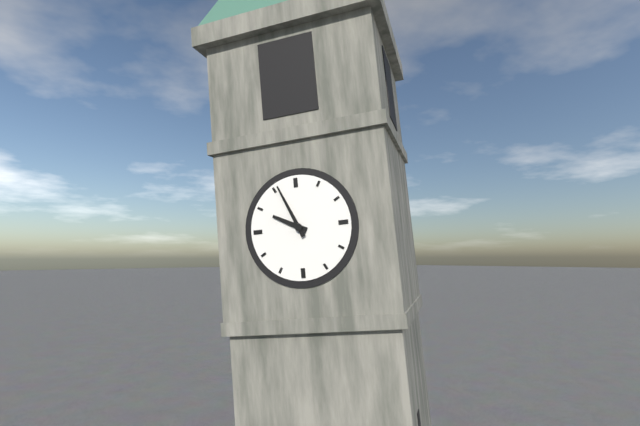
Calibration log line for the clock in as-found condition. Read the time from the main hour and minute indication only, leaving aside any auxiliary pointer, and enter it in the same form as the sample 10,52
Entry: 9,56
